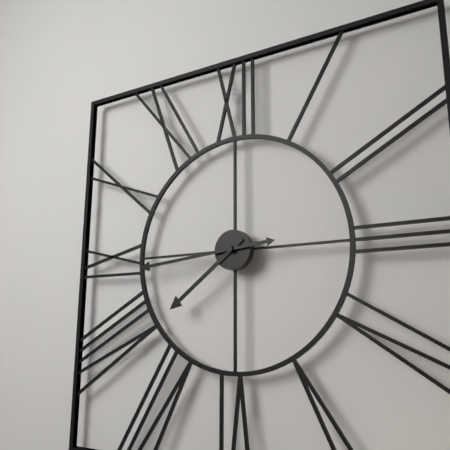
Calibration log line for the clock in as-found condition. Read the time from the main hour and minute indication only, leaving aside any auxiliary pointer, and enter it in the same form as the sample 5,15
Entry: 7,44
